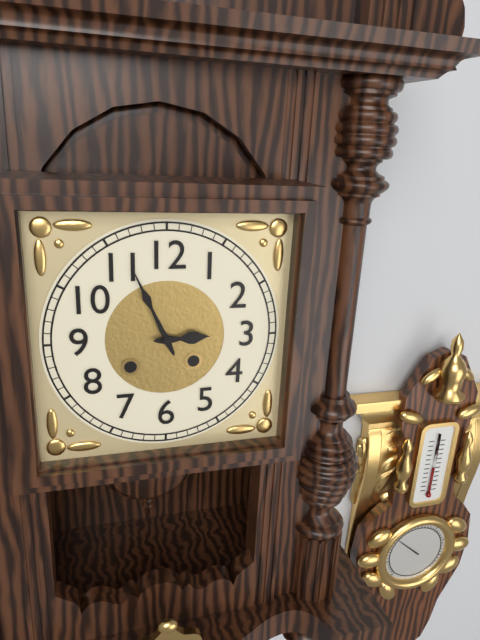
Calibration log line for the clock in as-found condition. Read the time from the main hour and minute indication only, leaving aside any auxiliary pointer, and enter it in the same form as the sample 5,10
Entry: 2,56
